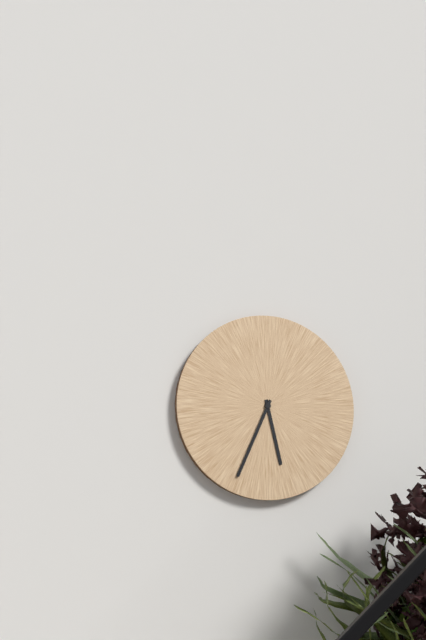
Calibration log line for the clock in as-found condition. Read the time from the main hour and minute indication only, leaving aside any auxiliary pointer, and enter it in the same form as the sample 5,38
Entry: 5,34
